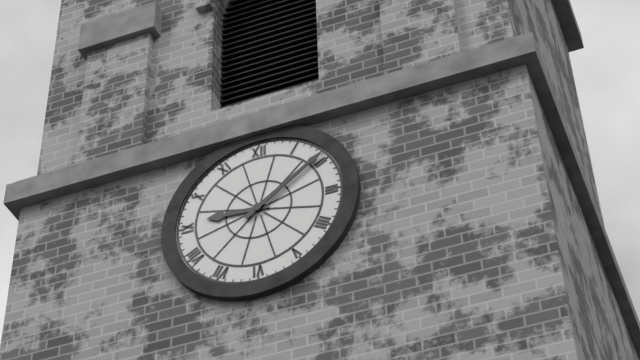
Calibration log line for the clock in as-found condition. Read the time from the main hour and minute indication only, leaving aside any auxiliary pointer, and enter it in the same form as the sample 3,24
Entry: 9,09
